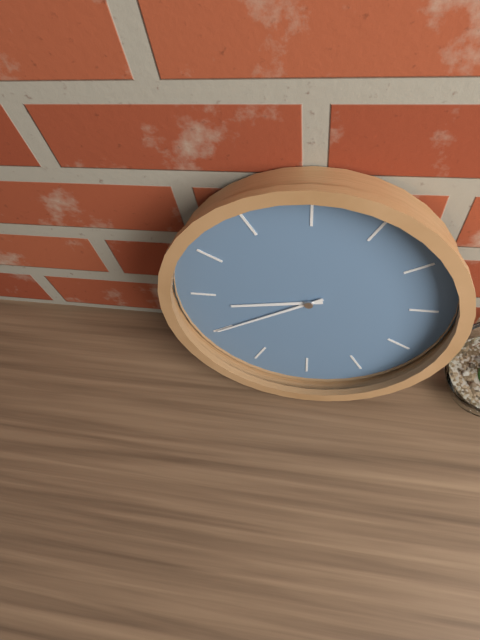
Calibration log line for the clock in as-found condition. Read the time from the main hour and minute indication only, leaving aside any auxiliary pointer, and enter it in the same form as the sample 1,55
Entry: 8,40
